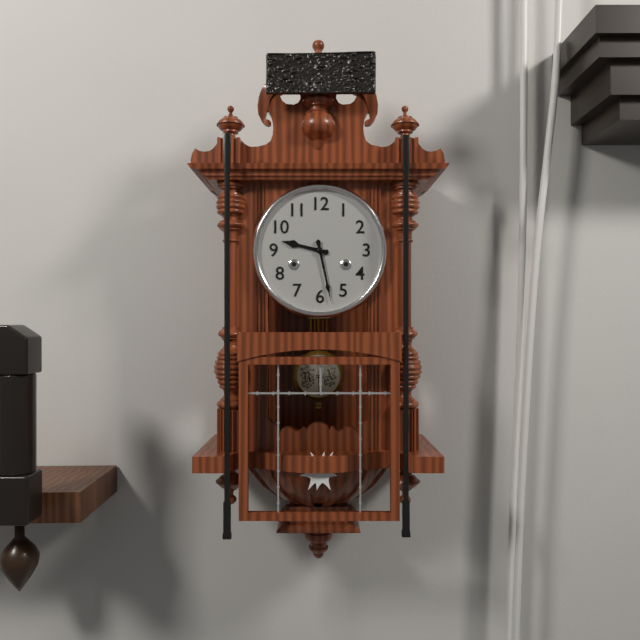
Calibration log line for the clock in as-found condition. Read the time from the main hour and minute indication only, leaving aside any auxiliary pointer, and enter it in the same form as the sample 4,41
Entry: 9,28
